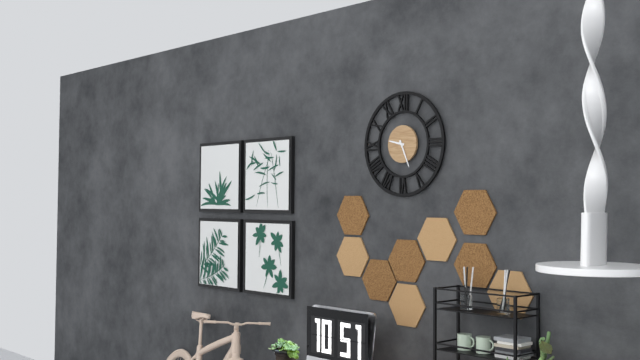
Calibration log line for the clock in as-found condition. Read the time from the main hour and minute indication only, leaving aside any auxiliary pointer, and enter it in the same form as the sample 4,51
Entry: 9,26
